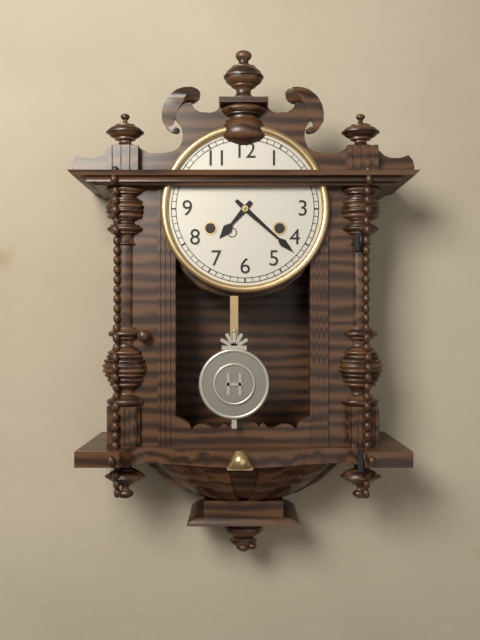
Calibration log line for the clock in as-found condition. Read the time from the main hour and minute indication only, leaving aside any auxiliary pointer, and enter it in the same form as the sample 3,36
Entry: 7,22
